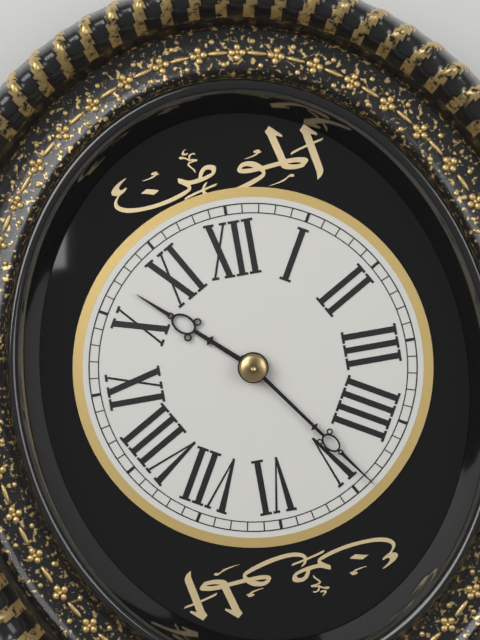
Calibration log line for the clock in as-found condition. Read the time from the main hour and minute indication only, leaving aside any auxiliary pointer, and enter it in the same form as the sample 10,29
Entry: 10,24
